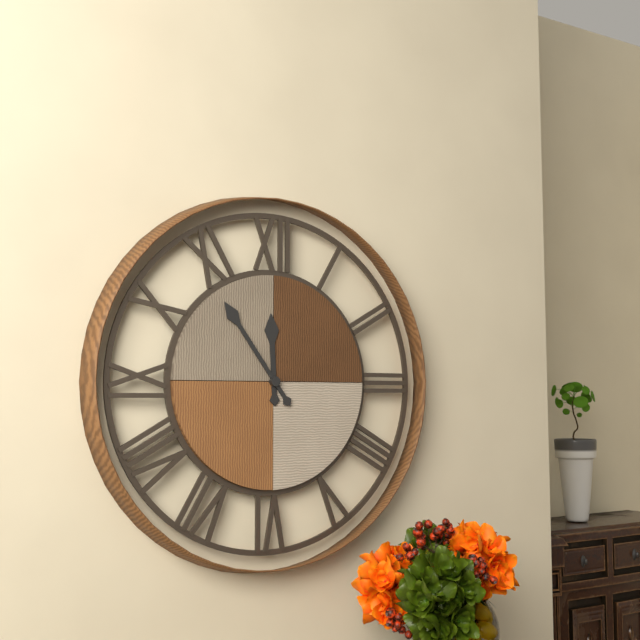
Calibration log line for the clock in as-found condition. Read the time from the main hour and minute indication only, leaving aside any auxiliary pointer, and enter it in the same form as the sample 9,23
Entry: 11,54
